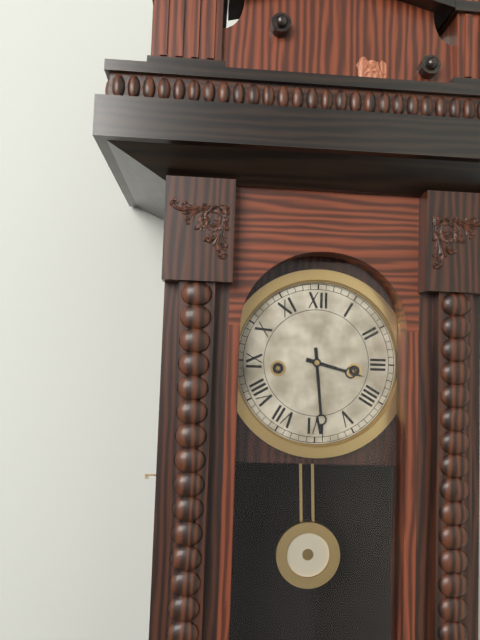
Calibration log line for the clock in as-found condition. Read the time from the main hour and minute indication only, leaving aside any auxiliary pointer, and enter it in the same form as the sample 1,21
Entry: 3,29
